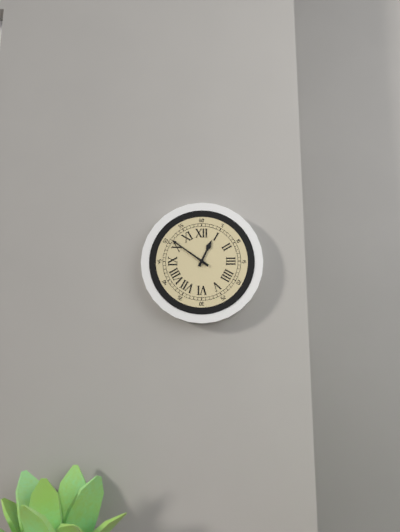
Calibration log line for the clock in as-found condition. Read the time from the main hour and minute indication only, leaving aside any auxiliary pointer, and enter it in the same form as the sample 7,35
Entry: 12,51
